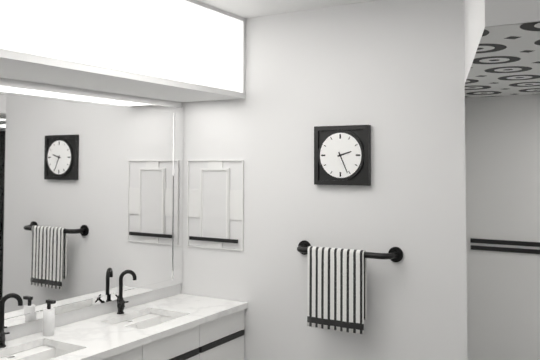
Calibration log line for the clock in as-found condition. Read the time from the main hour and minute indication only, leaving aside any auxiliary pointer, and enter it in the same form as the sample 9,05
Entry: 2,26
